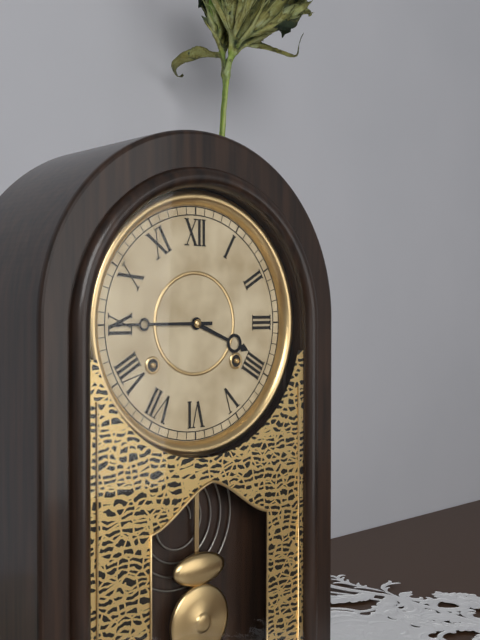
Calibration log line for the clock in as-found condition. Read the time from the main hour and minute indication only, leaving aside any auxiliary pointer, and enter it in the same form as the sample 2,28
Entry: 3,45
